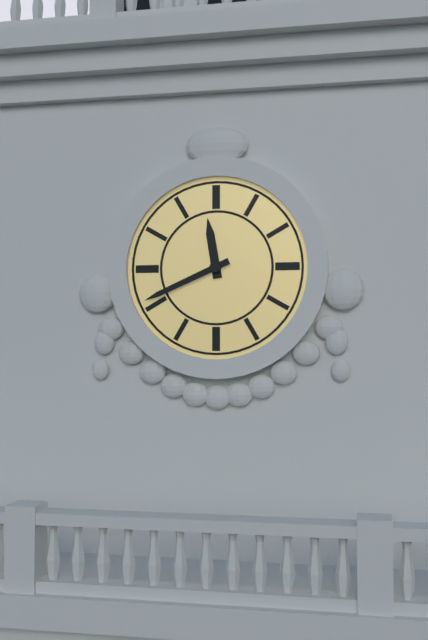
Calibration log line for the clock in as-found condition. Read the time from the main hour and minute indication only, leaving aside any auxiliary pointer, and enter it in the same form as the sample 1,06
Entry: 11,41
